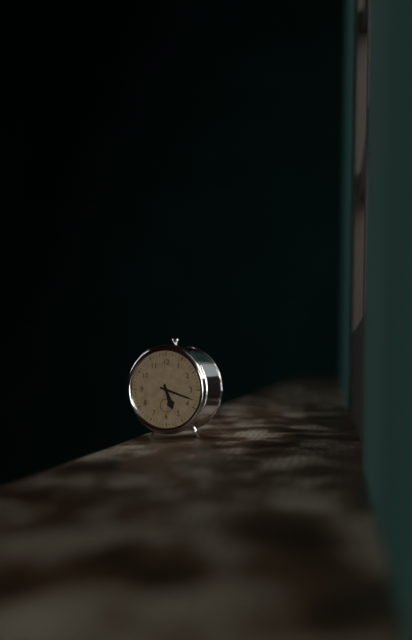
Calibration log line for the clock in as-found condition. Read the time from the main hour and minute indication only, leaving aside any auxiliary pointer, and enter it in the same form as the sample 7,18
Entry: 5,18
